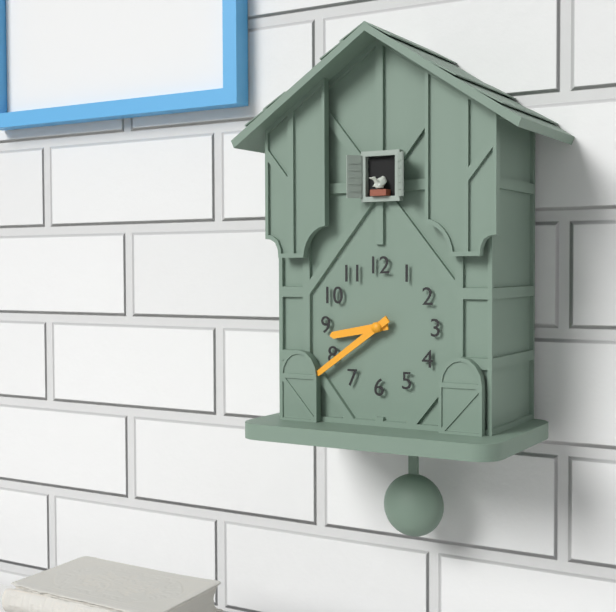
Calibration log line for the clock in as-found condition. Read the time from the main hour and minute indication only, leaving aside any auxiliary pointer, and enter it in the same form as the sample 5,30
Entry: 8,39
